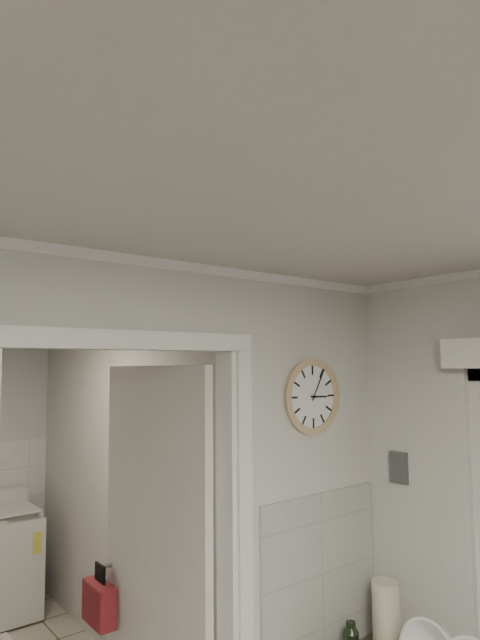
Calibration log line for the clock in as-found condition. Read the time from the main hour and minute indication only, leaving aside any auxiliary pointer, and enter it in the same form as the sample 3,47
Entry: 3,05
